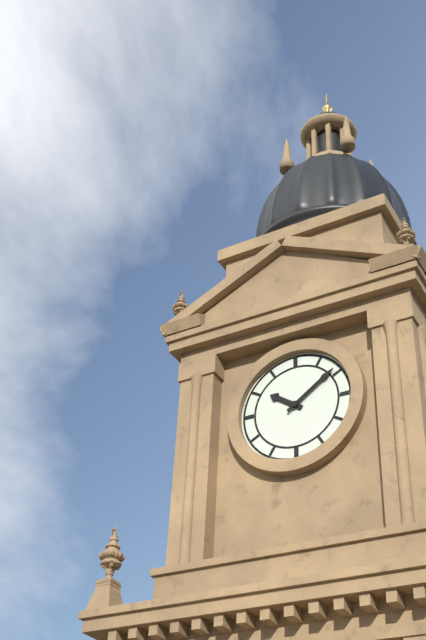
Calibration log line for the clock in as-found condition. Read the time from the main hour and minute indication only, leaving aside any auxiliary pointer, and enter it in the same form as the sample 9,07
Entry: 10,09
